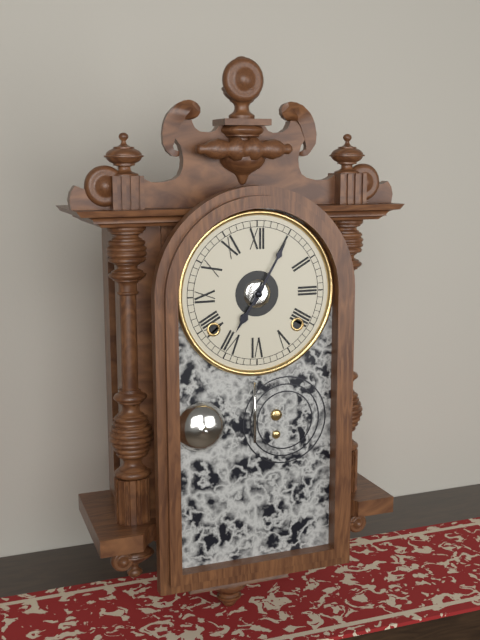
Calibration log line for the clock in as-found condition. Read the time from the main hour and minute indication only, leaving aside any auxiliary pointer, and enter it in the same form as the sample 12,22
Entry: 7,05
